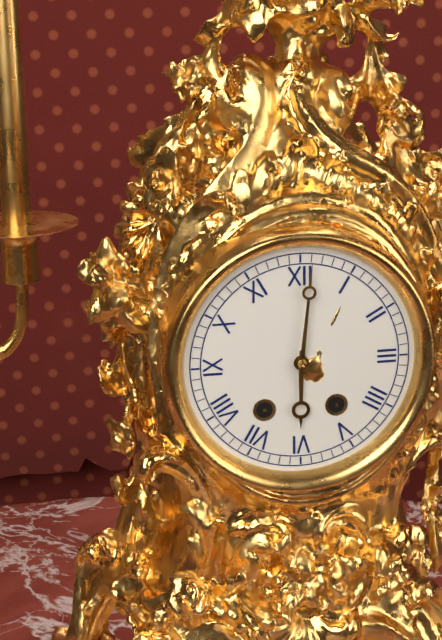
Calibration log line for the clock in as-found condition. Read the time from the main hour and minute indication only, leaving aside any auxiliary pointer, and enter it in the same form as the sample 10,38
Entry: 6,01
